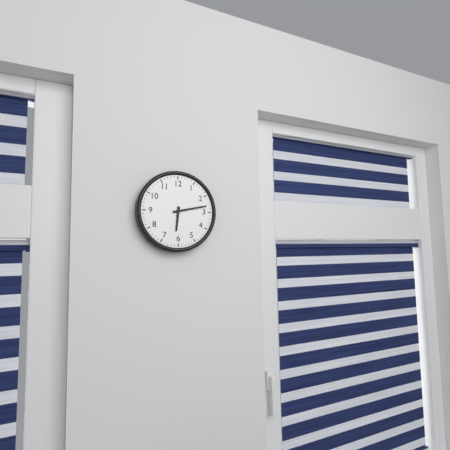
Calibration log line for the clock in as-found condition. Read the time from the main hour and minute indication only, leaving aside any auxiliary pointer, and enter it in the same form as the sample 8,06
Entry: 6,13
